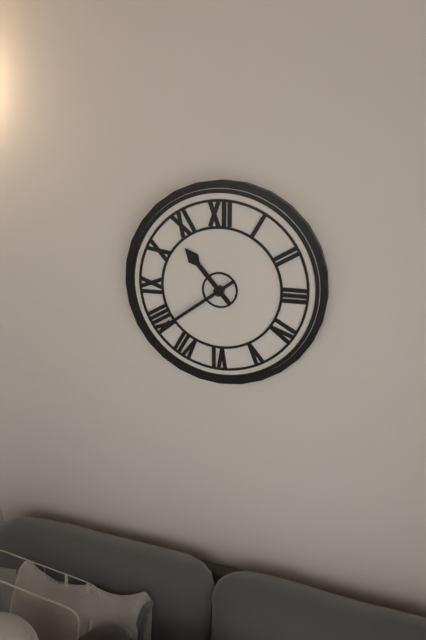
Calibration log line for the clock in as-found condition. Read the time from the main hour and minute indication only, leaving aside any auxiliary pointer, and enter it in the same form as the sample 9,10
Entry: 10,39
